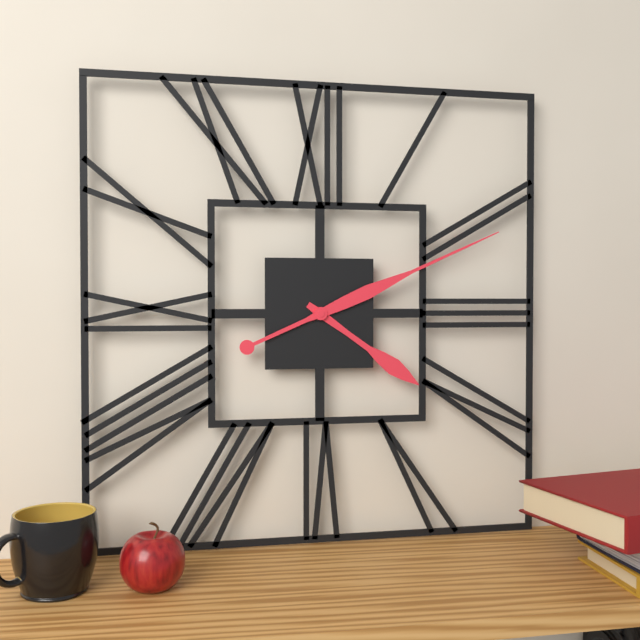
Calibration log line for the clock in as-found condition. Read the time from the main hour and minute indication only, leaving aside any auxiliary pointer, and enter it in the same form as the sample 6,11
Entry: 4,11
